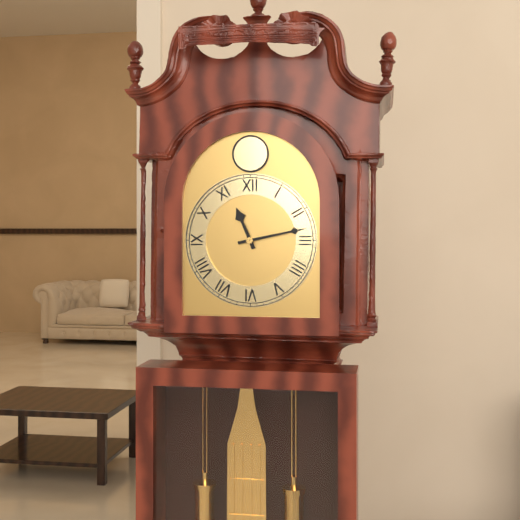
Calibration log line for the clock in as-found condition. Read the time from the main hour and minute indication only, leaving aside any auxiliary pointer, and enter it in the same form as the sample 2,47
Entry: 11,13
